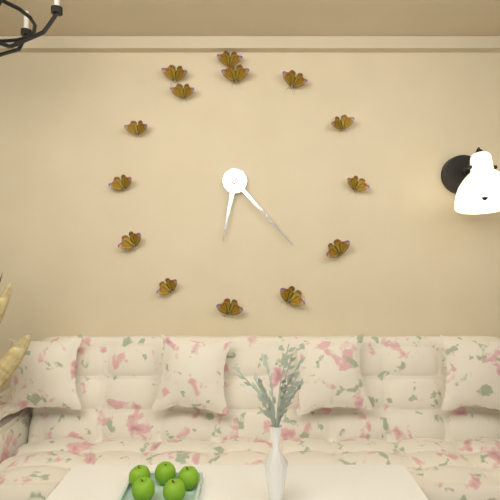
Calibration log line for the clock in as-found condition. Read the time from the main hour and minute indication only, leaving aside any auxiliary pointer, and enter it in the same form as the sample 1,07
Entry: 6,23
